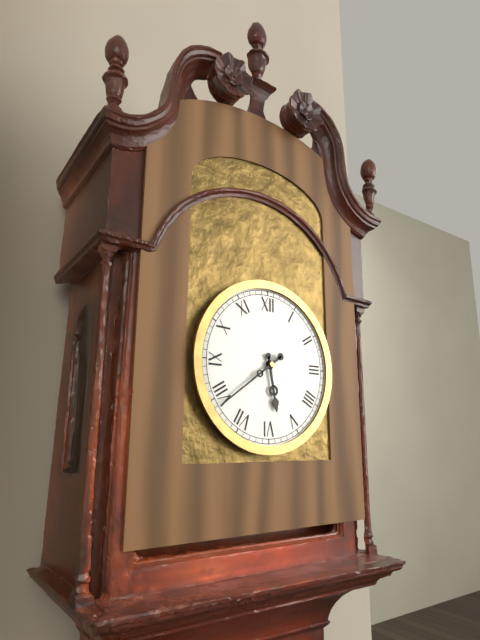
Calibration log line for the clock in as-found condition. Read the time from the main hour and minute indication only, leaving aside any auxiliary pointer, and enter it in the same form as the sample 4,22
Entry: 5,39
